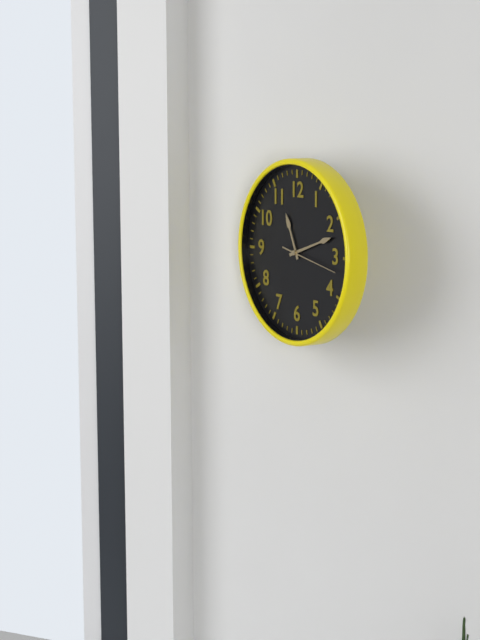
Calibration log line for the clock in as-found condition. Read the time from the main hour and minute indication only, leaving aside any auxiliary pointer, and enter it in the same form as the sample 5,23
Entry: 11,12
